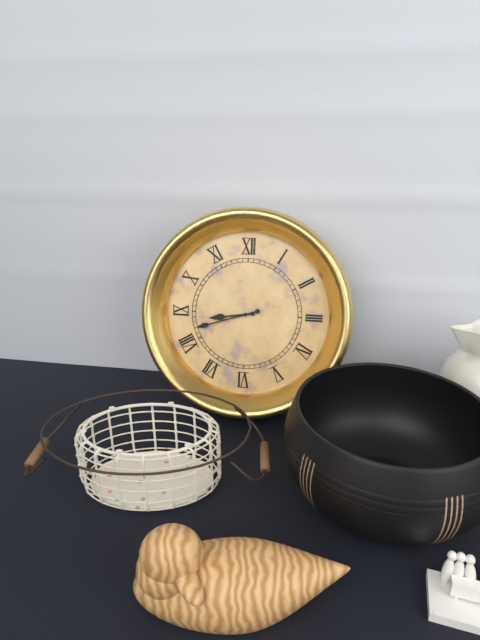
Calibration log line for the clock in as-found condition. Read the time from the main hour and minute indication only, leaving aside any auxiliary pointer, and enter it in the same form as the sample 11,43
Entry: 8,42
